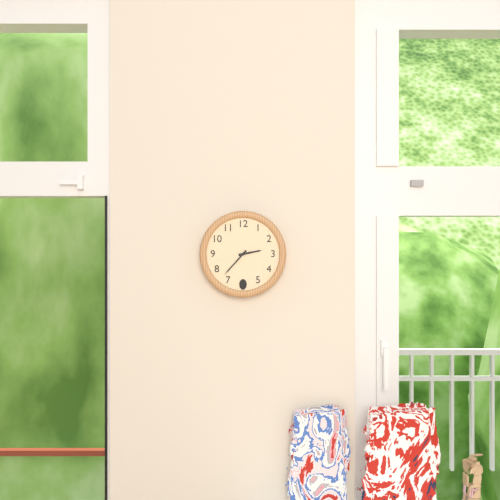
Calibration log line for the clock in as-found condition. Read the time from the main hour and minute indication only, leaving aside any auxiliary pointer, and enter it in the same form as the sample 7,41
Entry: 2,37
